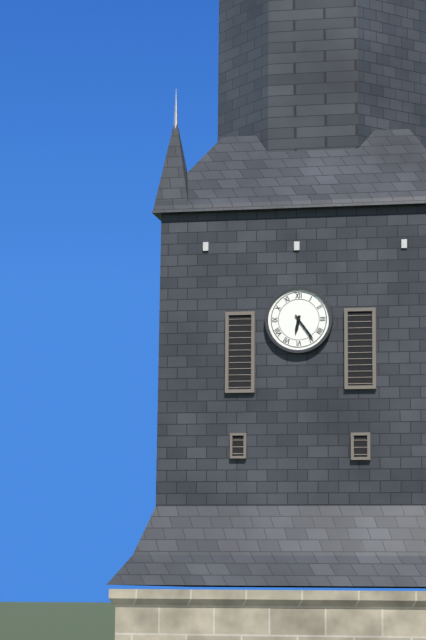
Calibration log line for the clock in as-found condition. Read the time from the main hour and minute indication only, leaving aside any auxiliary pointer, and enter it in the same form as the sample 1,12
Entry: 6,24
